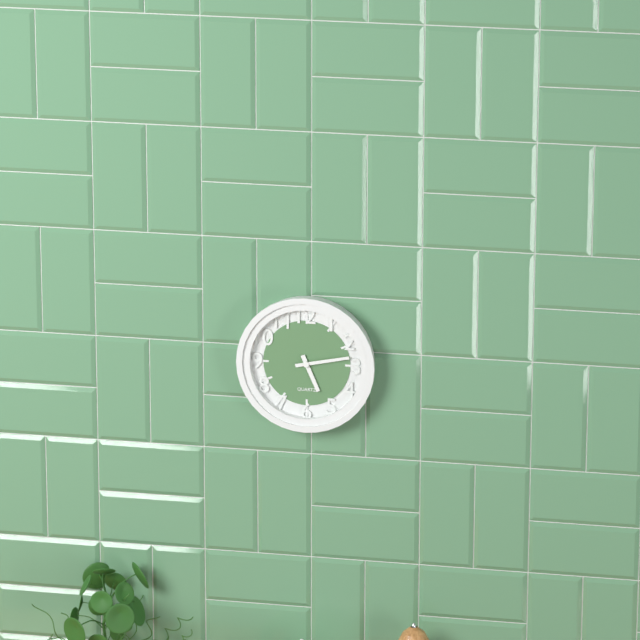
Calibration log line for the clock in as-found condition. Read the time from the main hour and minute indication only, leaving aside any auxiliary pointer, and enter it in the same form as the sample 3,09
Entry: 5,13
